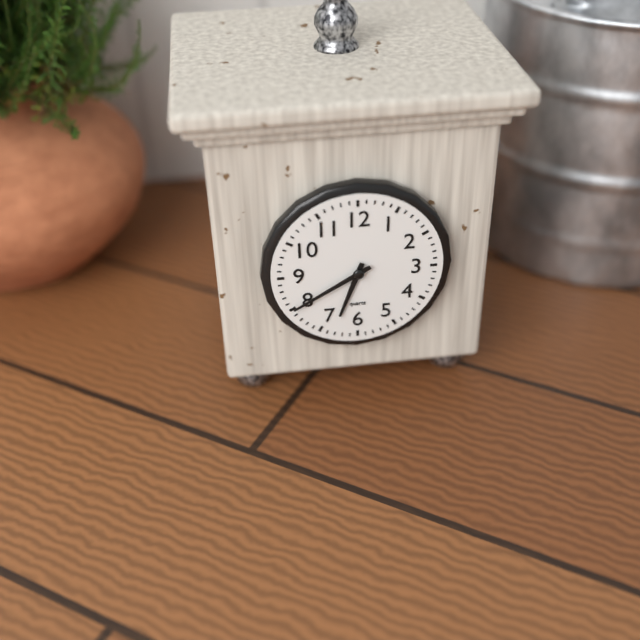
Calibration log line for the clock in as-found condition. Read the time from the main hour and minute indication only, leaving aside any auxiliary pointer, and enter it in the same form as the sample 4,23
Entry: 6,40
